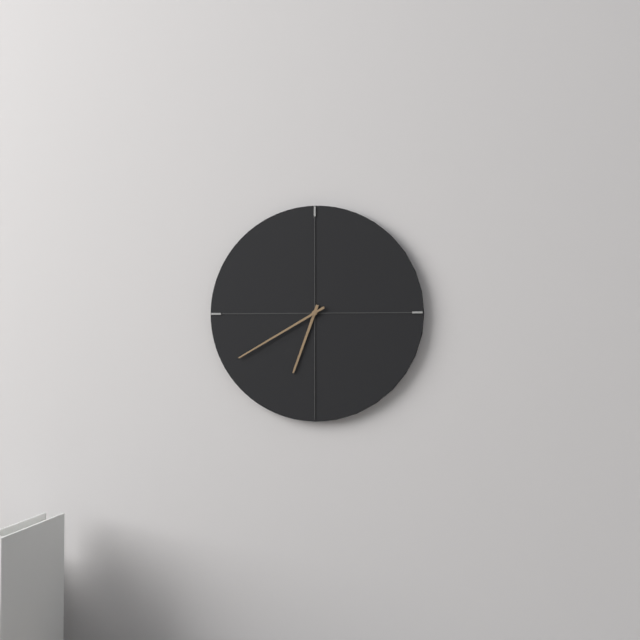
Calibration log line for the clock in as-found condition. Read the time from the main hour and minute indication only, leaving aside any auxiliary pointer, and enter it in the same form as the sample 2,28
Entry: 6,40
